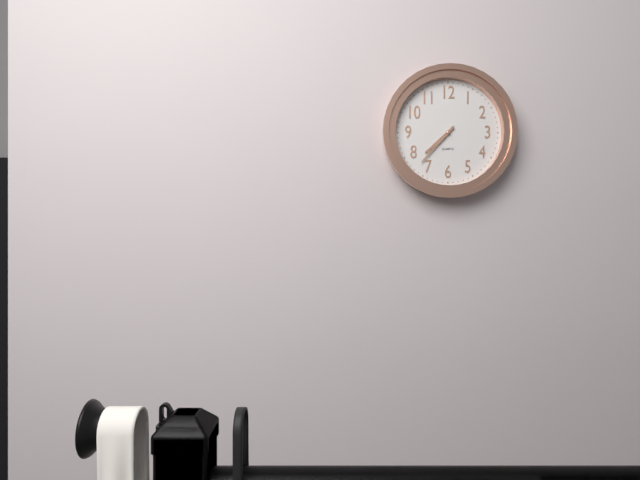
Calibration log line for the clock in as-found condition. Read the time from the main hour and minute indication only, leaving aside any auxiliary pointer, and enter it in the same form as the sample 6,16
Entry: 7,37
